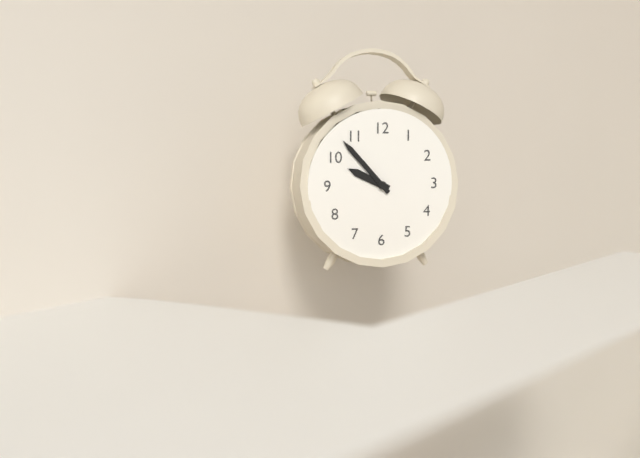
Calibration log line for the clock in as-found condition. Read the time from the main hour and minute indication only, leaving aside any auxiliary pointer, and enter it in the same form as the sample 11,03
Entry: 9,53
